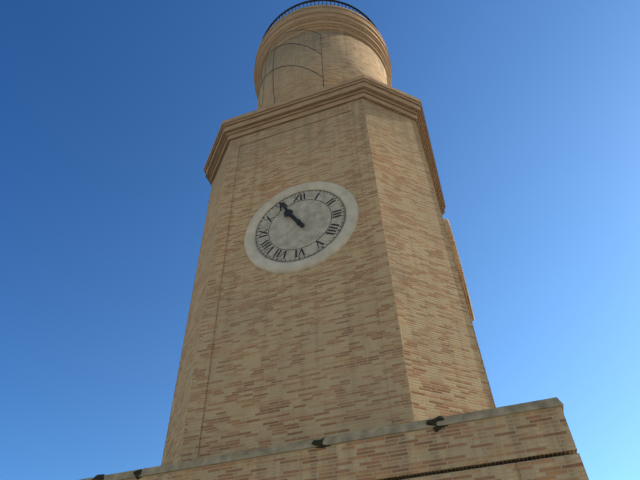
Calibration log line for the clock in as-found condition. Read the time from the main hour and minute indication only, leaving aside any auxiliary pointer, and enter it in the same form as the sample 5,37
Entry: 10,55
